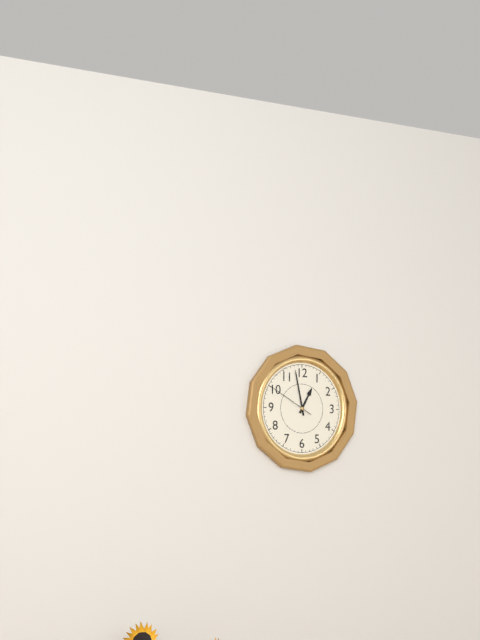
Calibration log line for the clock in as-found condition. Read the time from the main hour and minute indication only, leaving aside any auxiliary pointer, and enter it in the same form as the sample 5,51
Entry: 12,58
